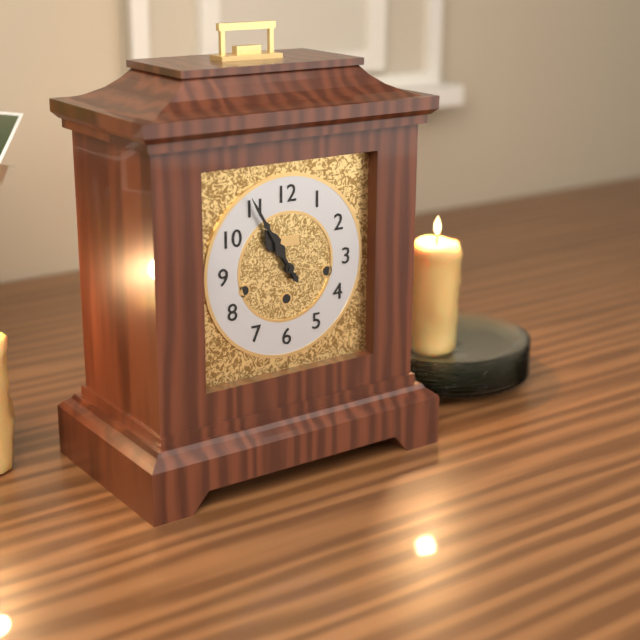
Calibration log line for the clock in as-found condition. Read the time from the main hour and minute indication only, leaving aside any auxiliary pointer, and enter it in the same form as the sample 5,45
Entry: 10,55
